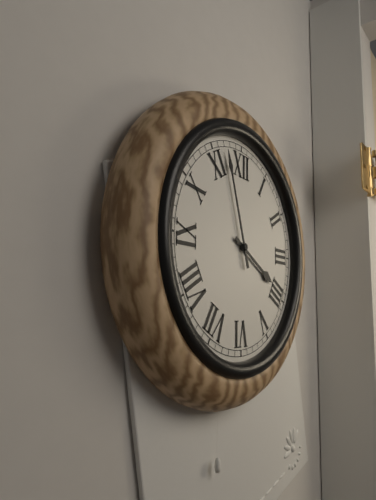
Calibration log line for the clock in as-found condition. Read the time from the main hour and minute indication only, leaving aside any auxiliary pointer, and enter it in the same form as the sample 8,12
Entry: 3,57
